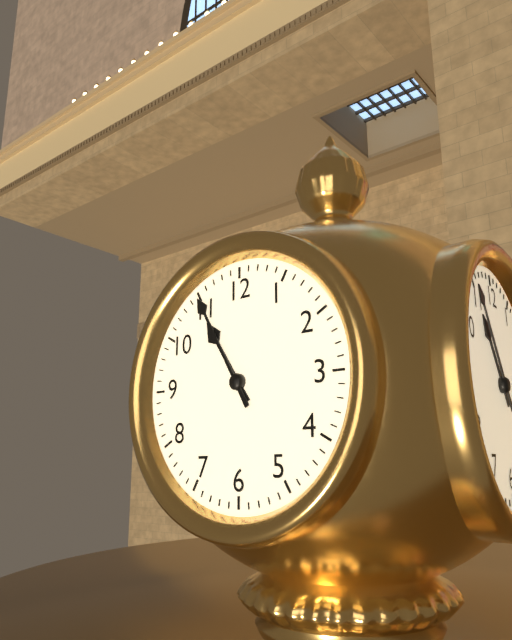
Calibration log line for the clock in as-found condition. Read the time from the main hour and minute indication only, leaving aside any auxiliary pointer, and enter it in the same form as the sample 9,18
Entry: 10,55
